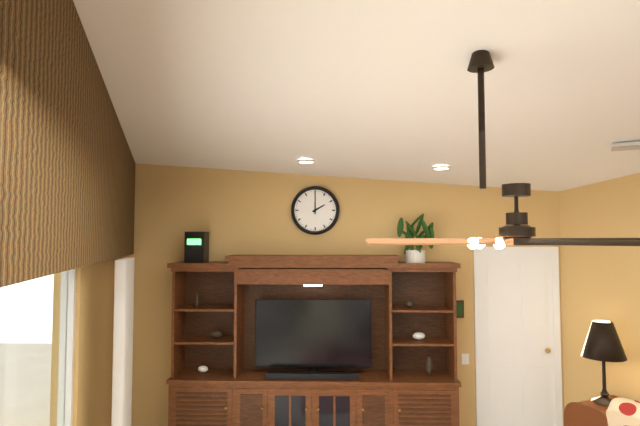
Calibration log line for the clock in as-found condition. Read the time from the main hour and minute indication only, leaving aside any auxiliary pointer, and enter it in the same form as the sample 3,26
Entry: 2,00
